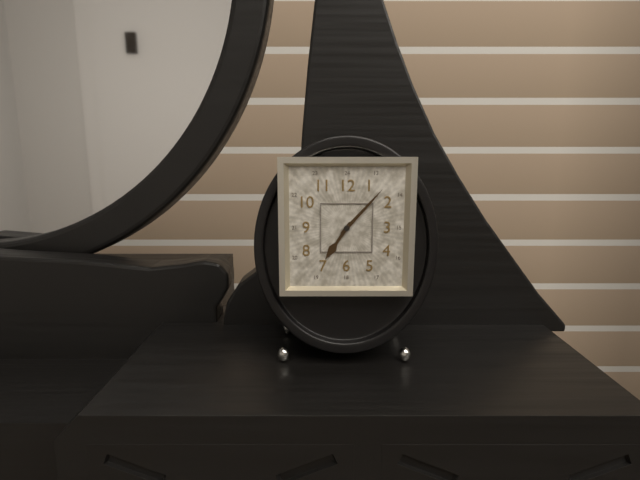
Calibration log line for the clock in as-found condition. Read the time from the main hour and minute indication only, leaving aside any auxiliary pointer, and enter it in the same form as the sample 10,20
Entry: 7,07
